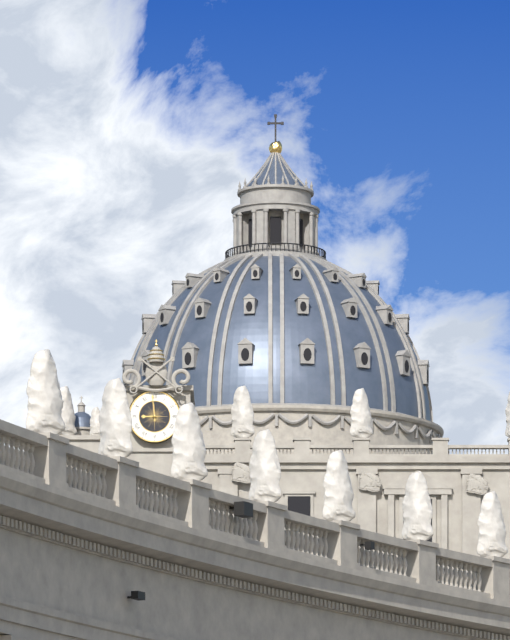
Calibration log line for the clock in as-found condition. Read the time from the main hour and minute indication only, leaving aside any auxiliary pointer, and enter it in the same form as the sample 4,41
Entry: 8,59
